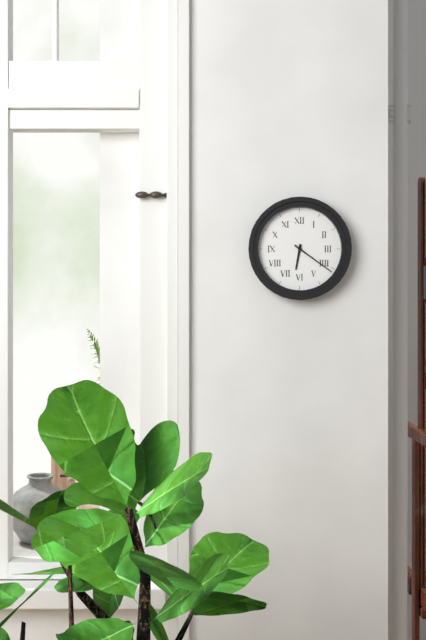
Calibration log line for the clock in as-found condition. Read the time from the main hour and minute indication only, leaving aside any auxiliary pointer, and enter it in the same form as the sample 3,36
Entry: 6,21
